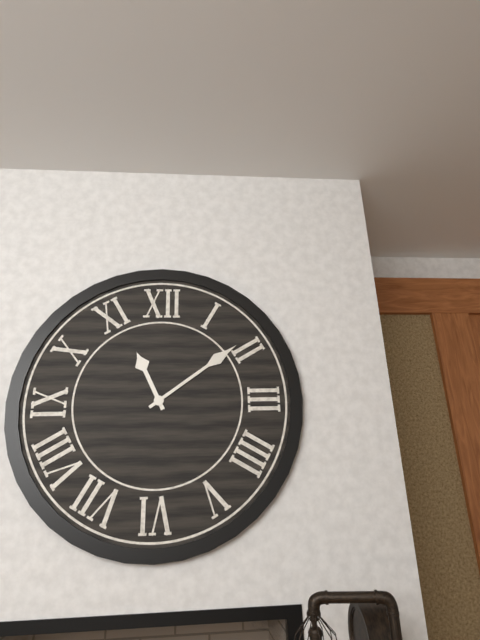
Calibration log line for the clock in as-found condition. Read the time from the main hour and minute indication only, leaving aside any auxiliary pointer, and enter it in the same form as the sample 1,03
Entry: 11,09
